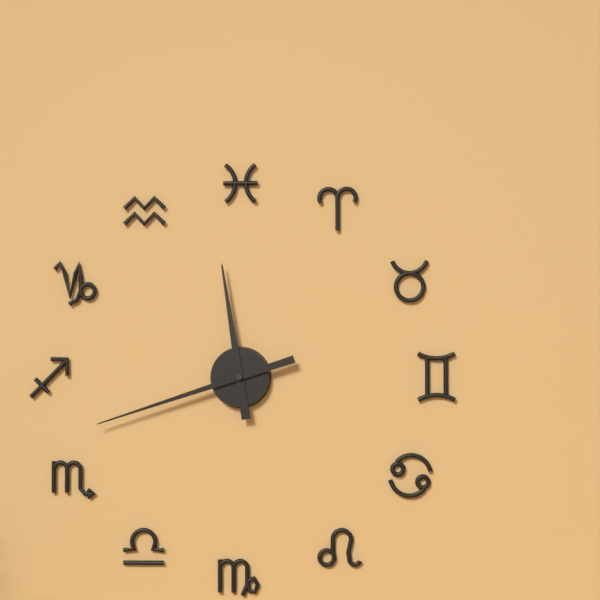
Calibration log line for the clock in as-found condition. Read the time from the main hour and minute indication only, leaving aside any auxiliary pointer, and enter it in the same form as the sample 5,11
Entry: 11,42
